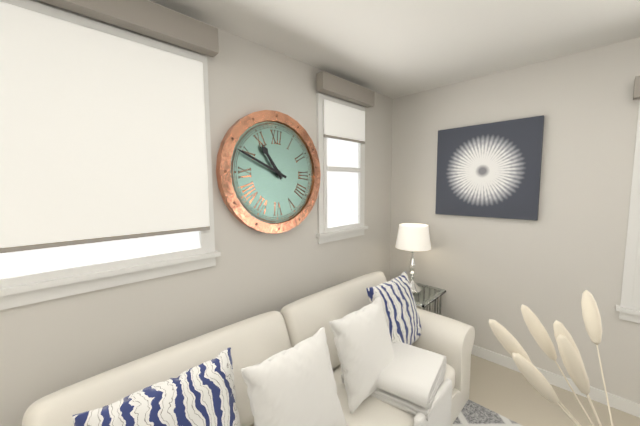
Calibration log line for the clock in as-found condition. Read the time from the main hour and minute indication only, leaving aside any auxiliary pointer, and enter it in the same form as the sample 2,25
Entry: 10,49
